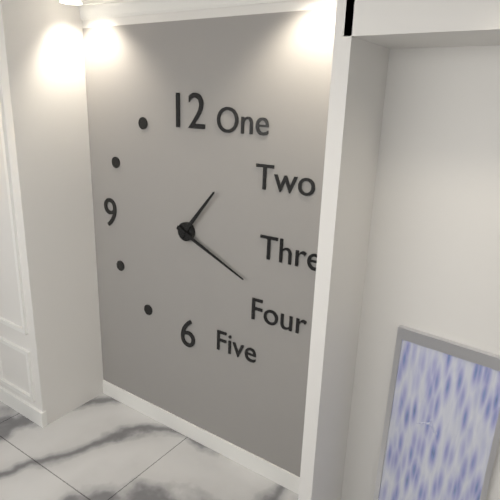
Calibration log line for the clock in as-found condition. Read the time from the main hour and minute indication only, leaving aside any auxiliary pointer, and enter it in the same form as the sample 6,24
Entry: 1,19
